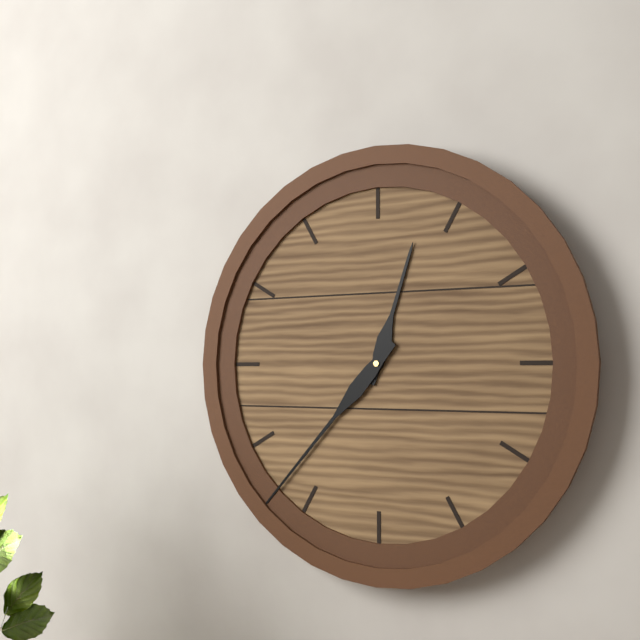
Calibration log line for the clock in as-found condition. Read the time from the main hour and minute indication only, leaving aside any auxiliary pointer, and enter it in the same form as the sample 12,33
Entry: 12,37
